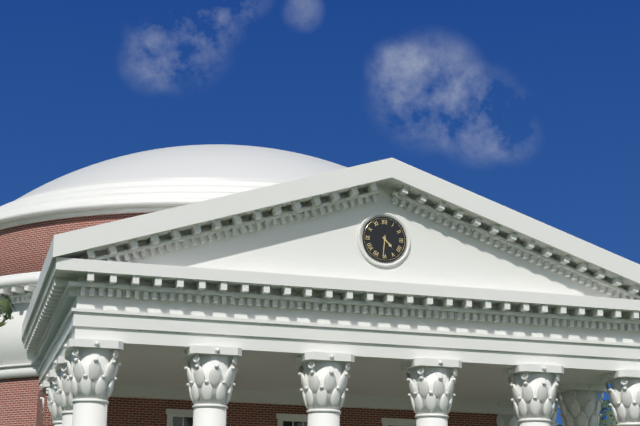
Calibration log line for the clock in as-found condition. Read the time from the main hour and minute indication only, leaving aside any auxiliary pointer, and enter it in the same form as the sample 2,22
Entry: 4,31
